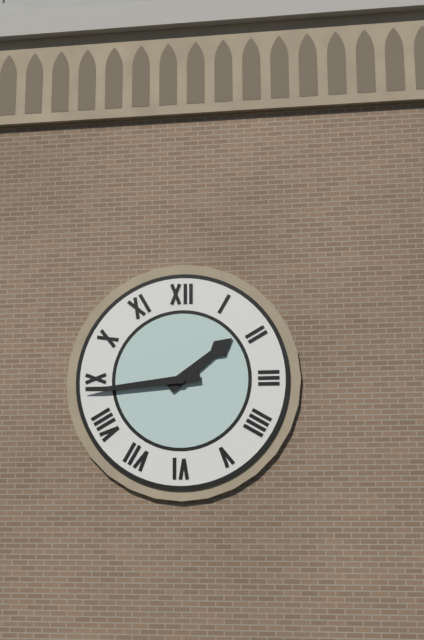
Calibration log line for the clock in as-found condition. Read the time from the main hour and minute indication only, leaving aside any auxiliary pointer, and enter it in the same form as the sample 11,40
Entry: 1,44
